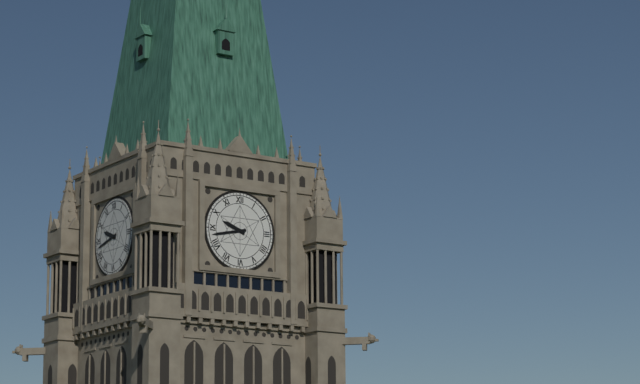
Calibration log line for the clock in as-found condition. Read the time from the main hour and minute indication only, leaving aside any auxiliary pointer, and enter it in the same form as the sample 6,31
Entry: 9,43
